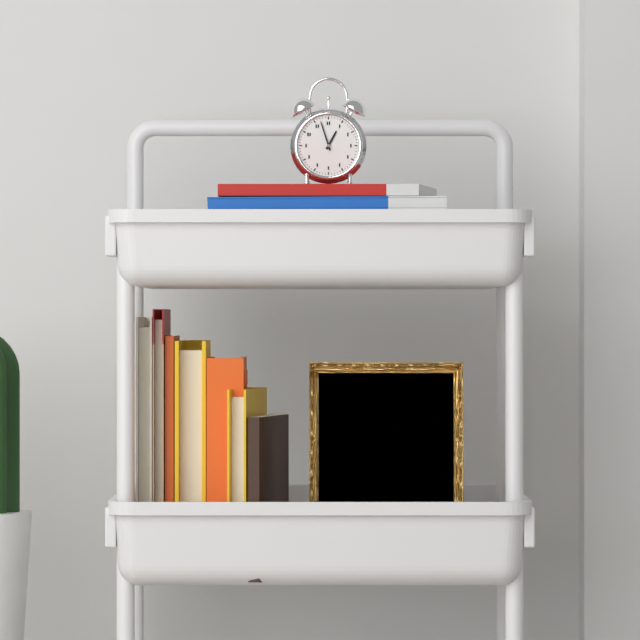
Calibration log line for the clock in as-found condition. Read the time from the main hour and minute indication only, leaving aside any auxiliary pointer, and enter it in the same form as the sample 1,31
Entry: 12,57
